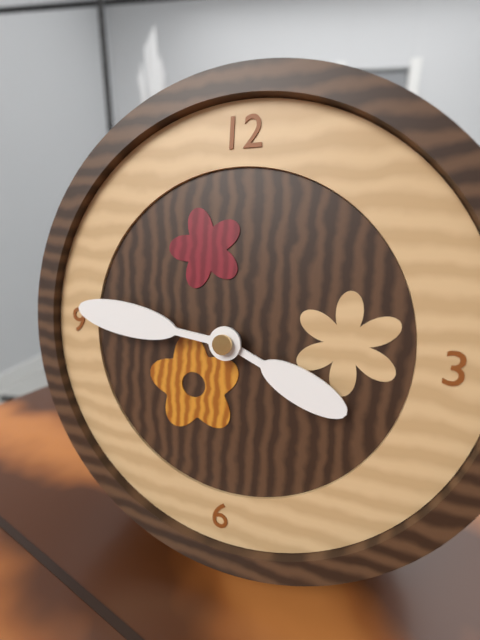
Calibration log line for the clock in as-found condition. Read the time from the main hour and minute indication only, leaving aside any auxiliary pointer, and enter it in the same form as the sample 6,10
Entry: 3,46
